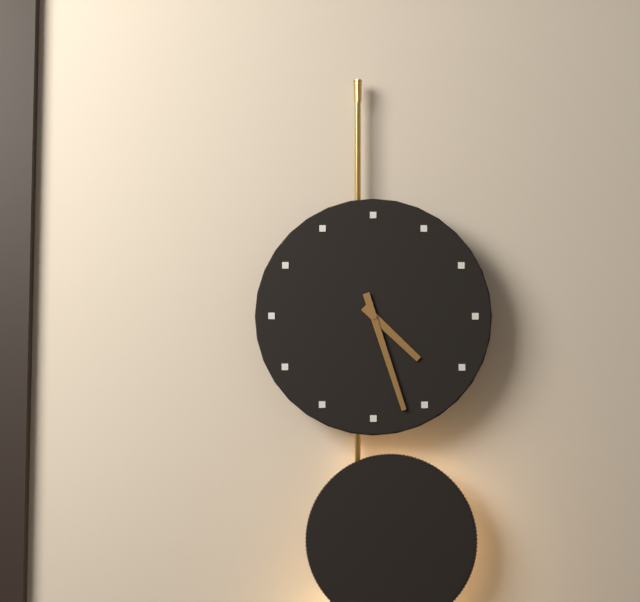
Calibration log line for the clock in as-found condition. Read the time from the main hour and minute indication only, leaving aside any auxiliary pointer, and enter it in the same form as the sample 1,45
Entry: 4,27
